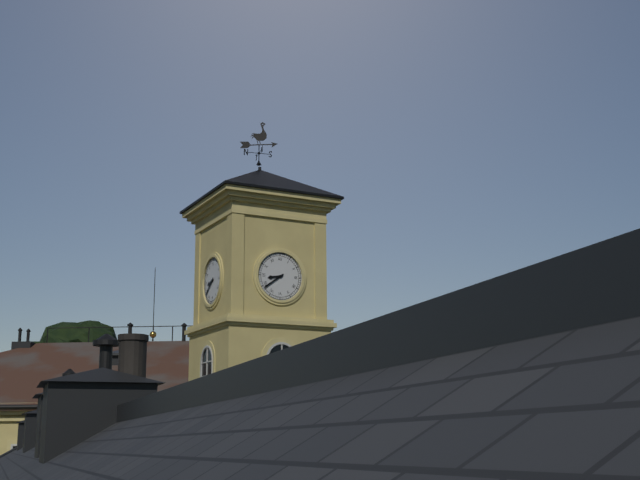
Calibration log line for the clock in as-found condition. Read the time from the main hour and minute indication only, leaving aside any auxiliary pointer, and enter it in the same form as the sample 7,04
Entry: 8,39
